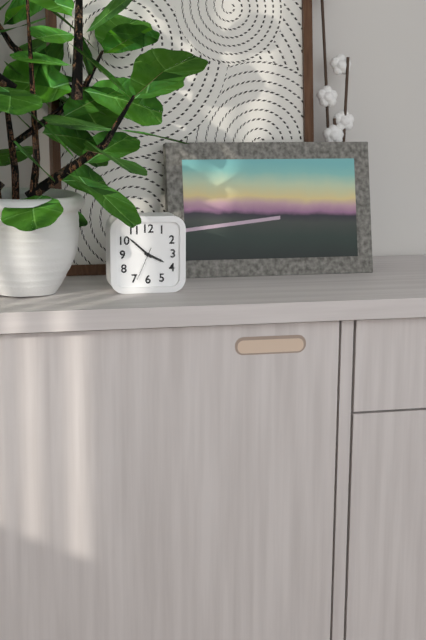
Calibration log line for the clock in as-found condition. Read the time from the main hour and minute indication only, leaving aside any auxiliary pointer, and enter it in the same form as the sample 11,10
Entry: 3,52
